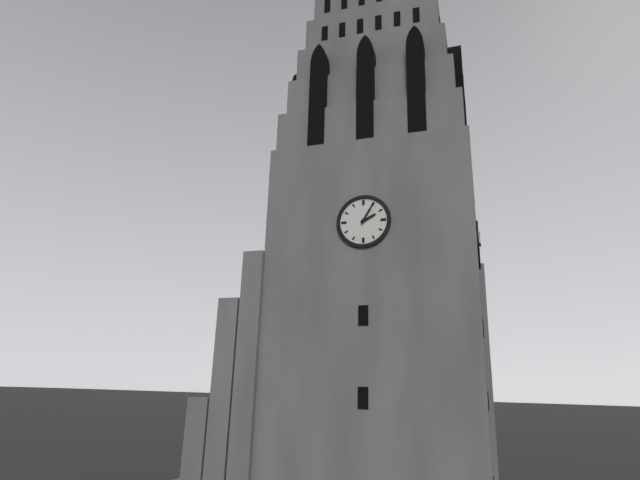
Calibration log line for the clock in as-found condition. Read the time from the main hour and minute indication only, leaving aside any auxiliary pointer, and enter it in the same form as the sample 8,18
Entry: 2,05
